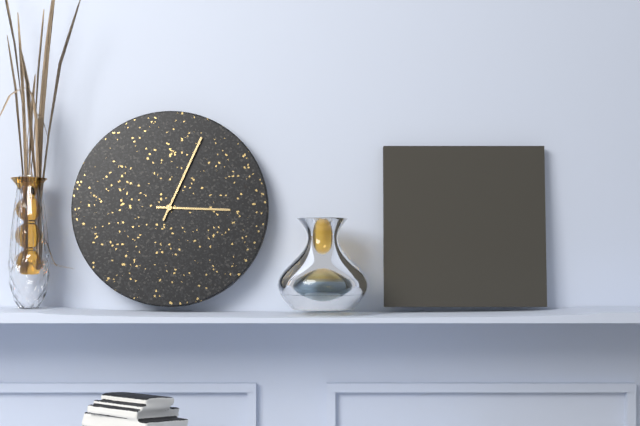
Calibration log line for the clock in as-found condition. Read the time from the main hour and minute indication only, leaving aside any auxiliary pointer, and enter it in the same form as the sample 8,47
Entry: 3,04
